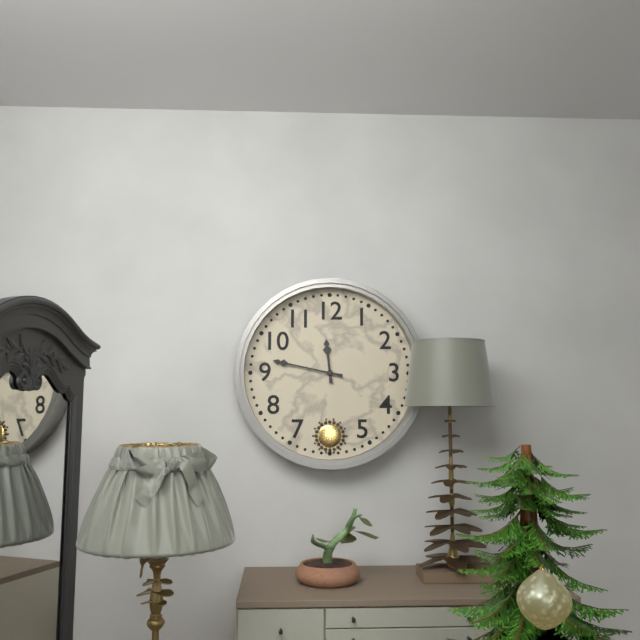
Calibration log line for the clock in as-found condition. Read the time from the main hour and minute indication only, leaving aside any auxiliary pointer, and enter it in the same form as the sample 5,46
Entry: 11,47
